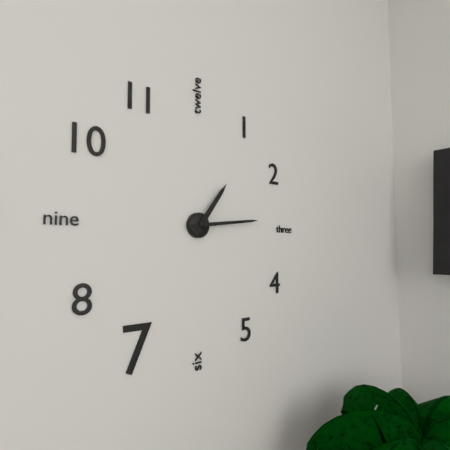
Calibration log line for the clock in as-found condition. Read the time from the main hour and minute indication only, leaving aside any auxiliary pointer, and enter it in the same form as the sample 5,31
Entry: 1,14
